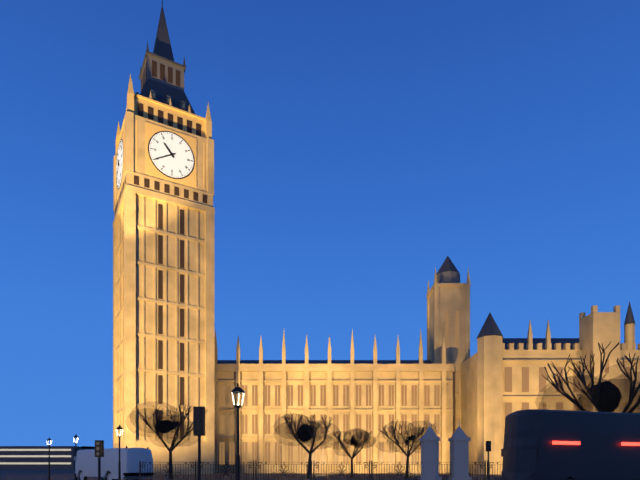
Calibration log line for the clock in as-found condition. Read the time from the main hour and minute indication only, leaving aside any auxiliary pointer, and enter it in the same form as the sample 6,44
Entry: 10,40
